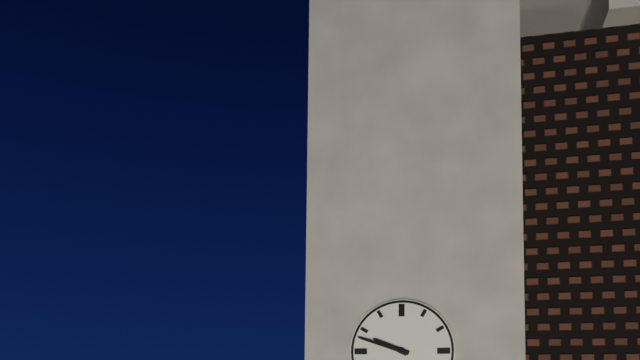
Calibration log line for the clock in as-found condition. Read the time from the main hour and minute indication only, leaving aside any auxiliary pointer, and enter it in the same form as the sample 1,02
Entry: 9,48
